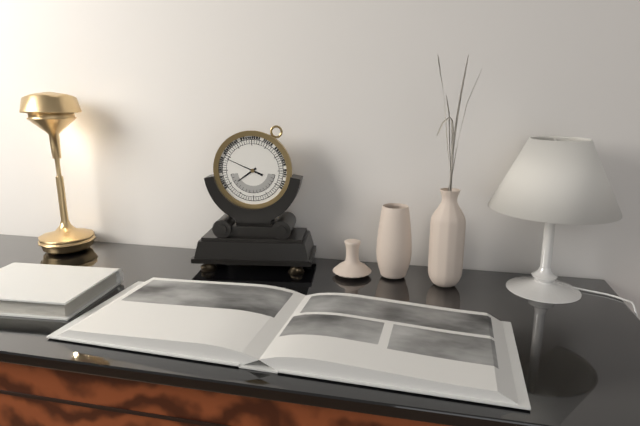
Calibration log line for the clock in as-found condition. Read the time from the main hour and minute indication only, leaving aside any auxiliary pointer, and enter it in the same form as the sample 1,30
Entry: 7,49
